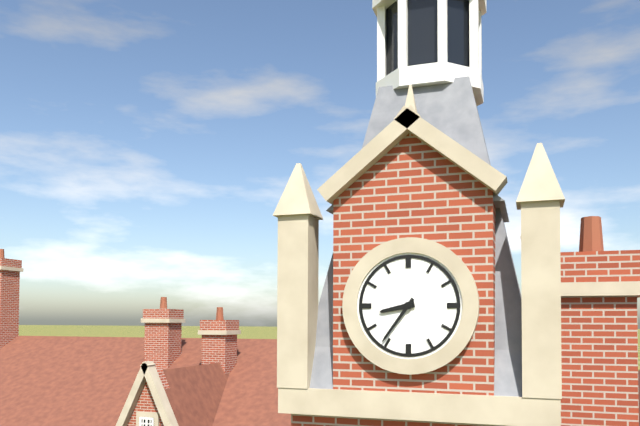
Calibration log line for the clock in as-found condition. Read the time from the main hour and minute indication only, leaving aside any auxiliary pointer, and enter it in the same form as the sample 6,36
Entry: 8,36
